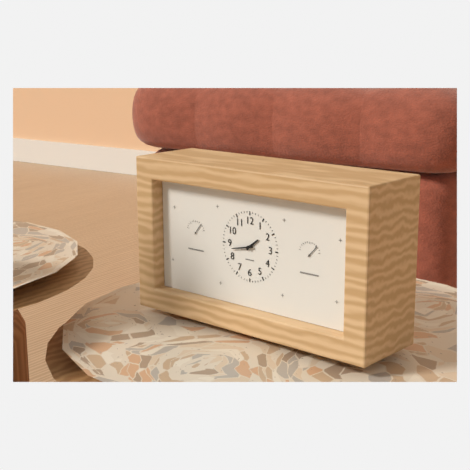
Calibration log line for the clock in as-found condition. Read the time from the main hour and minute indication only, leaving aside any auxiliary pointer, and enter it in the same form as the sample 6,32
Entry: 1,43
